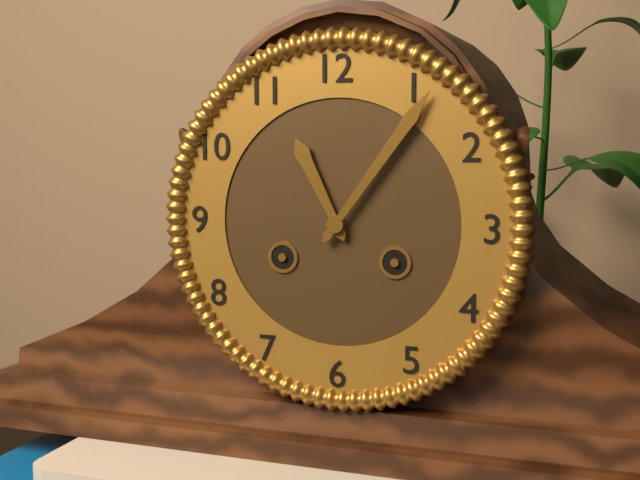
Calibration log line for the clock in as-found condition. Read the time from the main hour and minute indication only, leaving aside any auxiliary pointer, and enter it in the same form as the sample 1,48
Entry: 11,06
